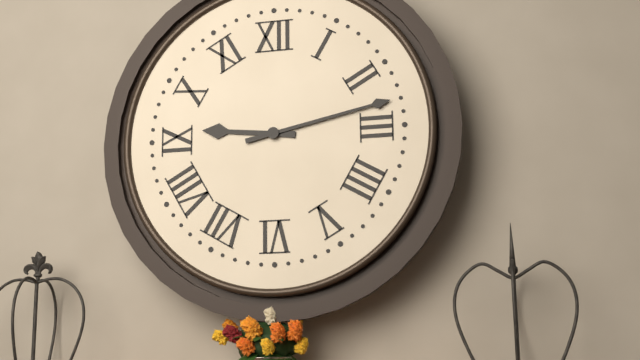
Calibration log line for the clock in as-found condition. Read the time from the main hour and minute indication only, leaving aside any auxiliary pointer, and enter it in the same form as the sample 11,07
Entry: 9,13
